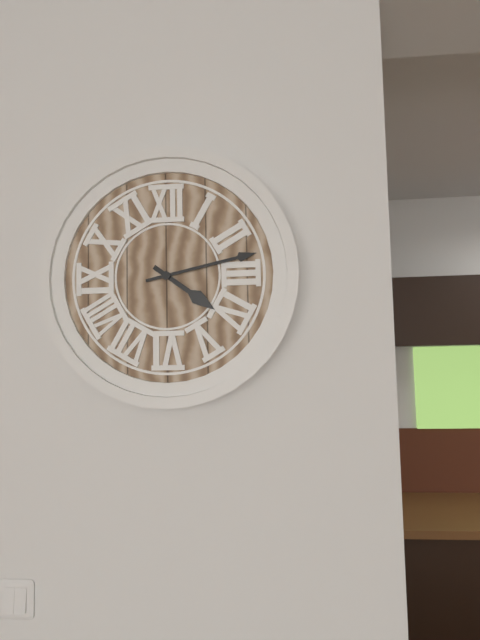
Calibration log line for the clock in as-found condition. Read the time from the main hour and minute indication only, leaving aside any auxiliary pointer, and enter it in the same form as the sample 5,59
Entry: 4,13
